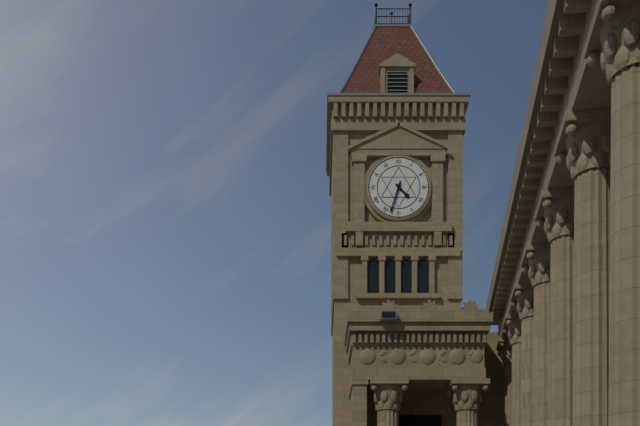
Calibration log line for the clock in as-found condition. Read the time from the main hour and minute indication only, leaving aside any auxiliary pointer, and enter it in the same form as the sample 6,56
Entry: 4,33
